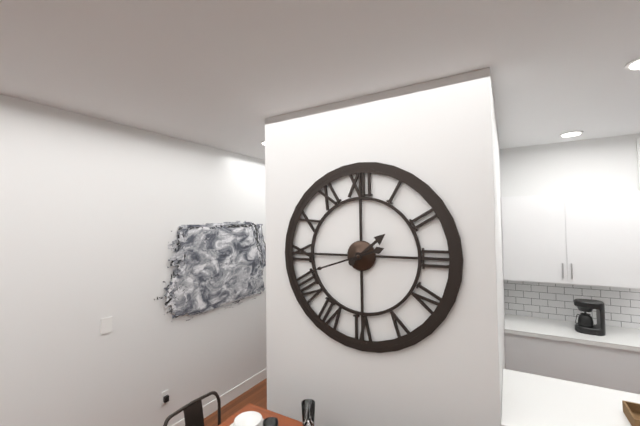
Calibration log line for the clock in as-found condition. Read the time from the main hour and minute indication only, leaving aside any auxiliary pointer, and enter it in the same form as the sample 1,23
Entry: 1,42
